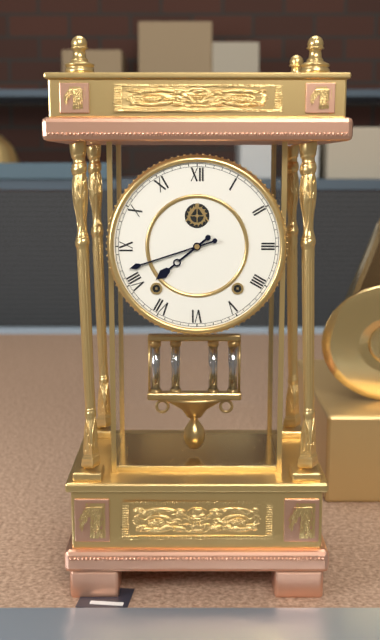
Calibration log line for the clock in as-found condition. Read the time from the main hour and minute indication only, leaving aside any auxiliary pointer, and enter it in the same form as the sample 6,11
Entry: 7,42
